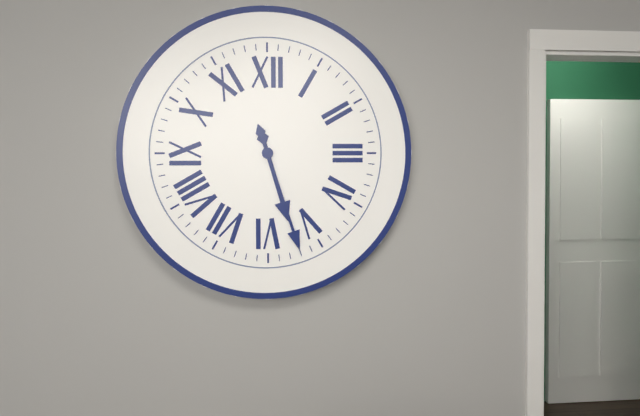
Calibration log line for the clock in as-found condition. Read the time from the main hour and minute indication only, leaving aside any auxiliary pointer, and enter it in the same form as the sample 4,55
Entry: 5,27
